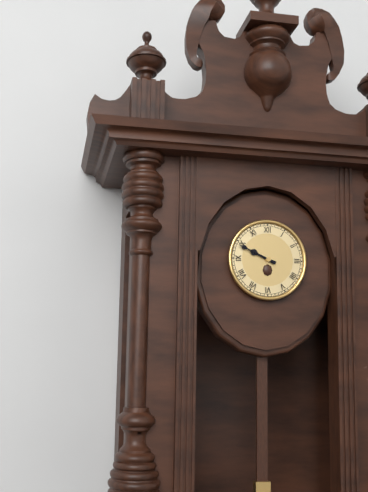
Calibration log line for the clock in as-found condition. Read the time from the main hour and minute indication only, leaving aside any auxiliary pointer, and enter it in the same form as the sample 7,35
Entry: 9,49
